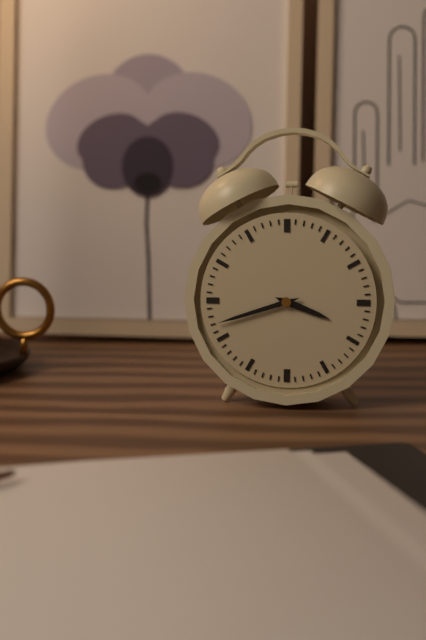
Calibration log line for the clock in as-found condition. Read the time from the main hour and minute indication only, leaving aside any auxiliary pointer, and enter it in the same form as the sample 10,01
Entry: 3,42
